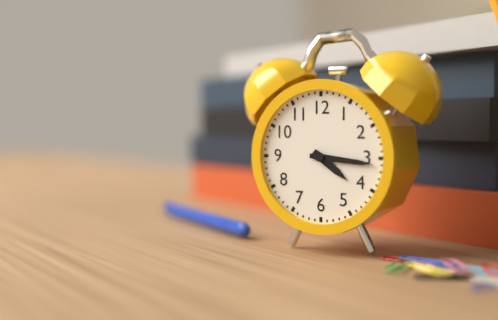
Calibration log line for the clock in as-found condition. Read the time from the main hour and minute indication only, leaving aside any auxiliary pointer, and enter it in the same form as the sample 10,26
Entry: 4,16
